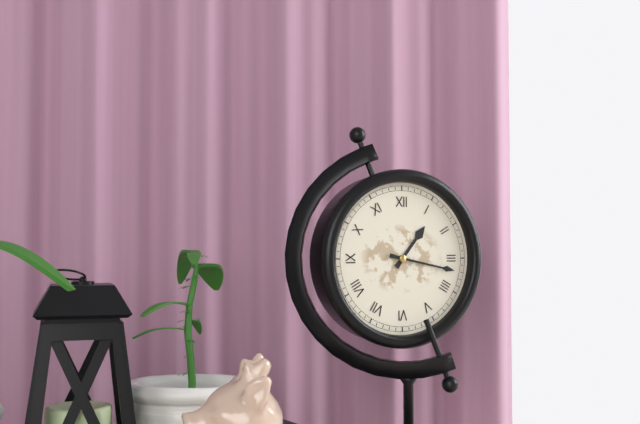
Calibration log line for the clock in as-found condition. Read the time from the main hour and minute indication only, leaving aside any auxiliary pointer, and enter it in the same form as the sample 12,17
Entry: 1,17
